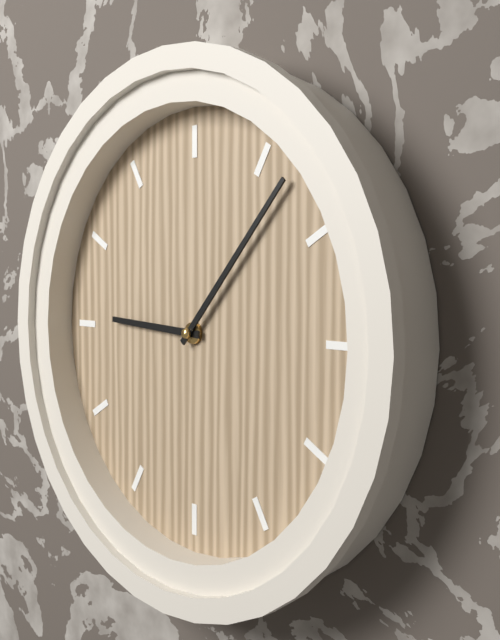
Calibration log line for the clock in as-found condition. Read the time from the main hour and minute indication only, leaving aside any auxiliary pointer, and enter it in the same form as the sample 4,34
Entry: 9,07
